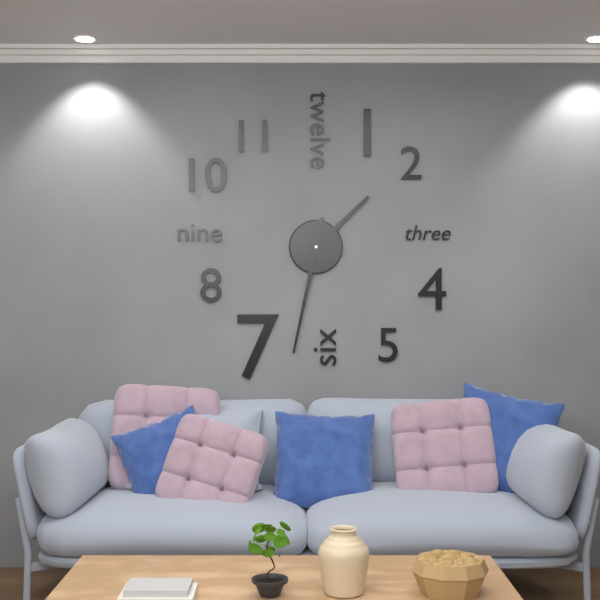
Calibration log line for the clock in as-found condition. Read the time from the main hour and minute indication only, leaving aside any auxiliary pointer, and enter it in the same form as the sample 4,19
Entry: 1,32
